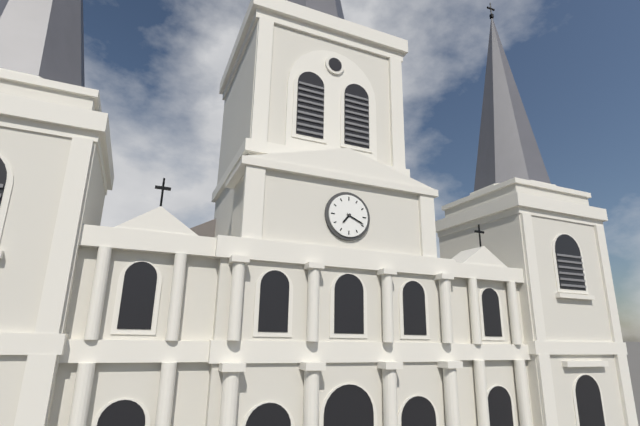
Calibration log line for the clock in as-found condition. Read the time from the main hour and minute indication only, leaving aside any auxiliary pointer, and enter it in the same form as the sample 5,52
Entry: 7,19
